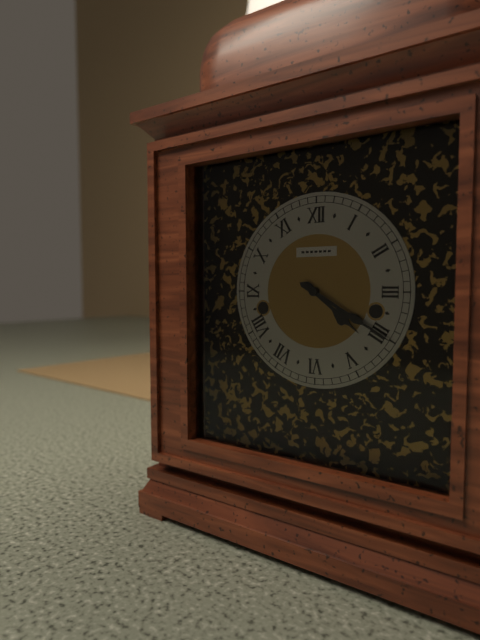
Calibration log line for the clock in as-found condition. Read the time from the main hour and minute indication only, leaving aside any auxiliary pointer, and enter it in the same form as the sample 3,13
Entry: 4,20
